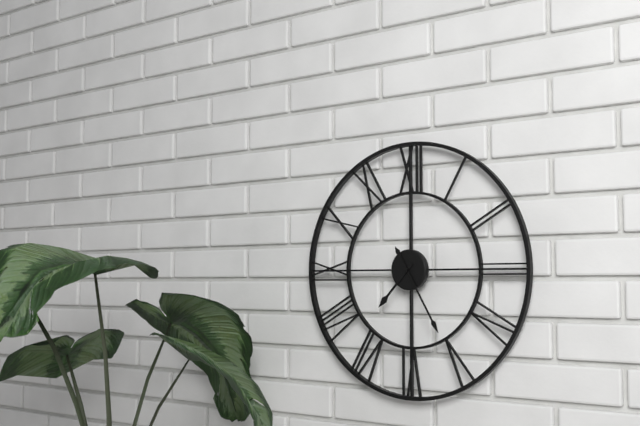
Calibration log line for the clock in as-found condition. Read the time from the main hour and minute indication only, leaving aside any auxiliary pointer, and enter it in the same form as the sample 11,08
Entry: 7,25
